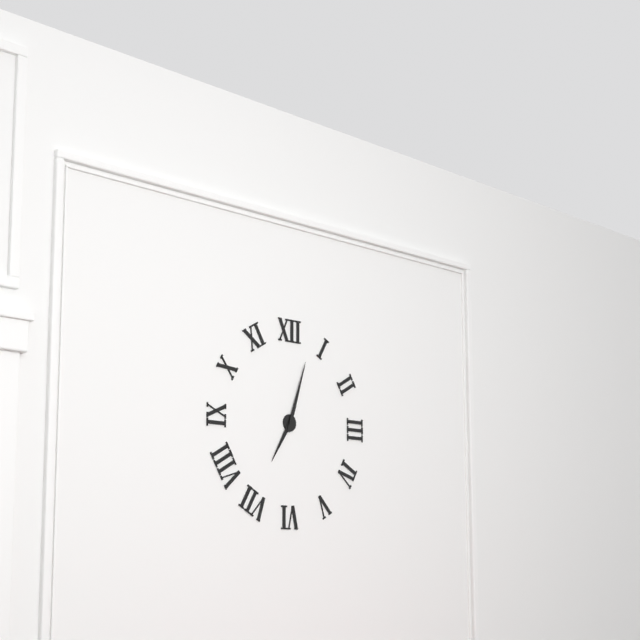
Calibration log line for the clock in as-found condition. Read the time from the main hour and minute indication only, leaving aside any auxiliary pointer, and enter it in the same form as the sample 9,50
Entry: 7,03
